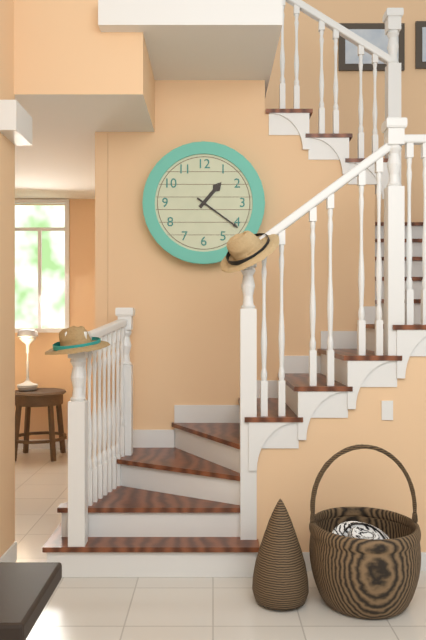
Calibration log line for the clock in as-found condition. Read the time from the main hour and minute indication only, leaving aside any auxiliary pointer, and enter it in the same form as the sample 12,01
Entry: 1,21
